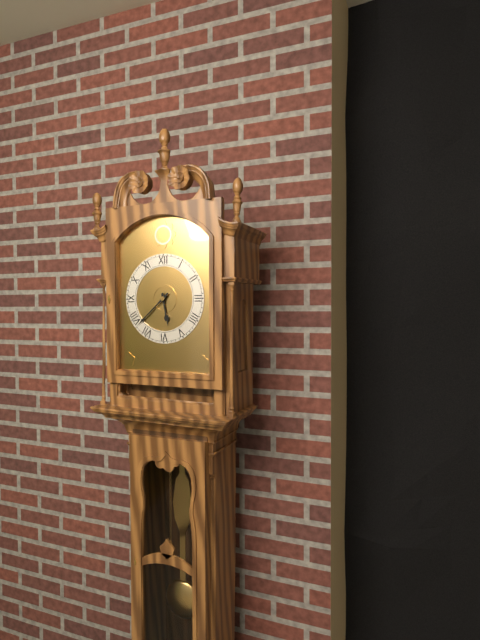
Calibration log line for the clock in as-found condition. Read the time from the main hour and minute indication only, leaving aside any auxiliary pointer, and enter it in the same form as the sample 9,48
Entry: 5,38
